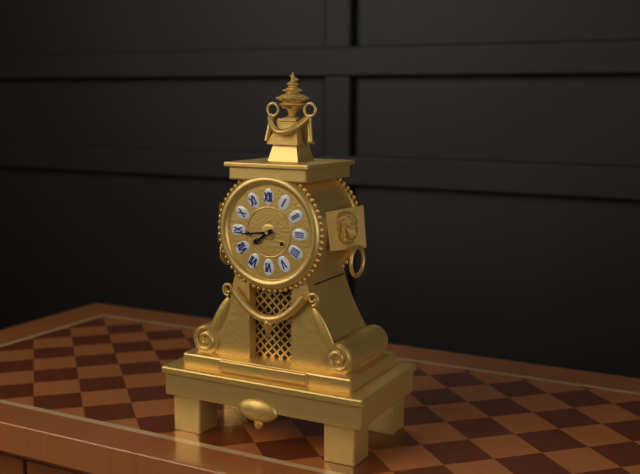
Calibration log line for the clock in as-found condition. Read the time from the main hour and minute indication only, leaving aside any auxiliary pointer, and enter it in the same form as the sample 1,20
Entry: 7,44
